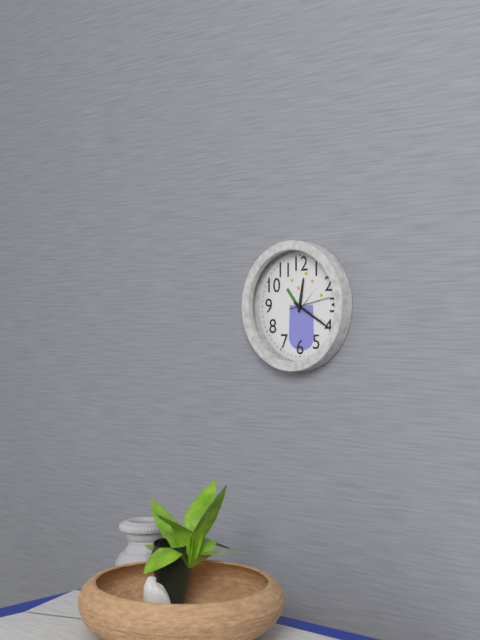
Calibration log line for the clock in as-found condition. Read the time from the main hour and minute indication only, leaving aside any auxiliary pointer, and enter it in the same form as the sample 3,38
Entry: 12,20
